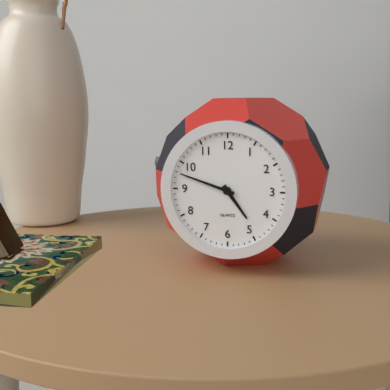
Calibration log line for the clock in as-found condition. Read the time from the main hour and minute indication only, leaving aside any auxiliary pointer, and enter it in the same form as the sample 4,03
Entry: 4,48
